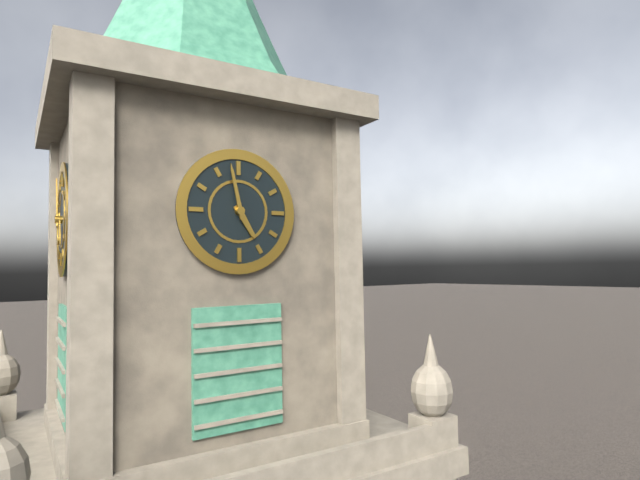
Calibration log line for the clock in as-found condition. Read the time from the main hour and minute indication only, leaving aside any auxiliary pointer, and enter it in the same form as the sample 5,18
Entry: 4,58
